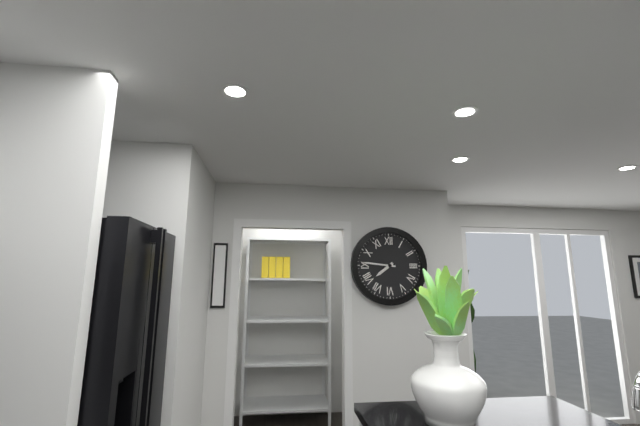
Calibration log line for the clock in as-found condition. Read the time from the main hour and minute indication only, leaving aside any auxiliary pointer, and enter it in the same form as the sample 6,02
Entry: 7,46
